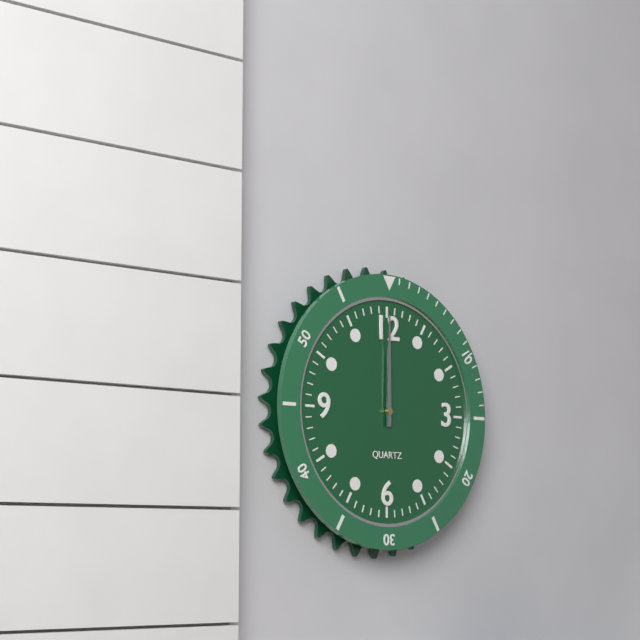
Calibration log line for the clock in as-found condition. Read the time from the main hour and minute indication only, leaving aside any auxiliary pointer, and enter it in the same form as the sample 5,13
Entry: 12,00
